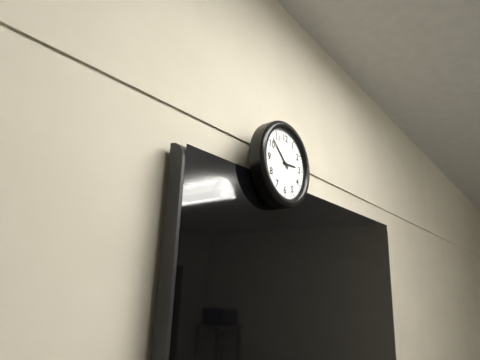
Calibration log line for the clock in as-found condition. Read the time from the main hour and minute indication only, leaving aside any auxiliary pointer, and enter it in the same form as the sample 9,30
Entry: 2,52
